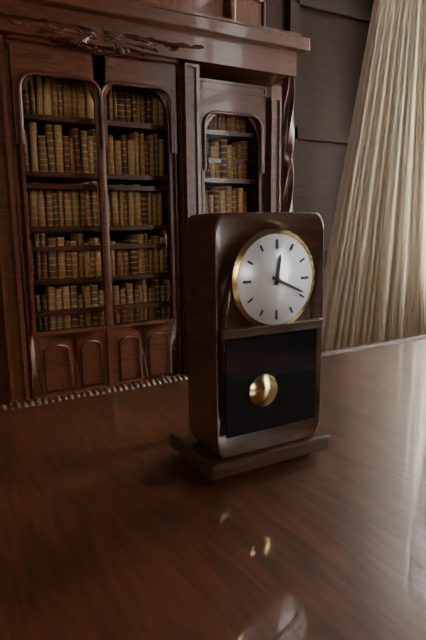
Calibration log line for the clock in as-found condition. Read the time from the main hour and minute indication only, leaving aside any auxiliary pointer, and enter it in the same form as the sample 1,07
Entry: 12,19
